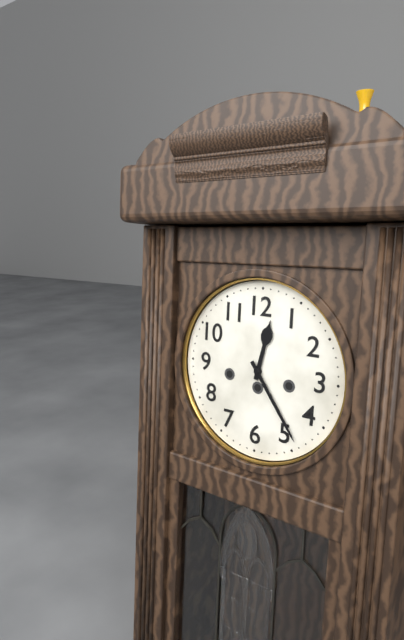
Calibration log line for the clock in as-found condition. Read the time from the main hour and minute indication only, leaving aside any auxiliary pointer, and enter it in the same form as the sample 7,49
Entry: 12,24
